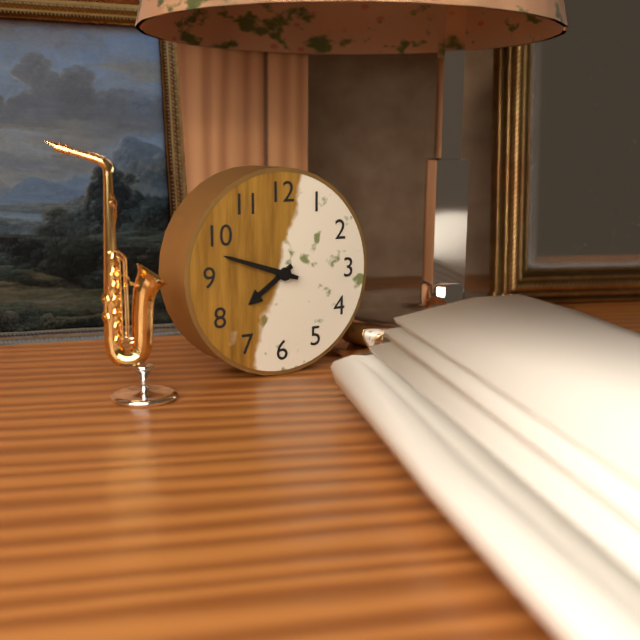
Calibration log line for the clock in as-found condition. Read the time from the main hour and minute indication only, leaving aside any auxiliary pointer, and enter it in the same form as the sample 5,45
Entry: 7,48
